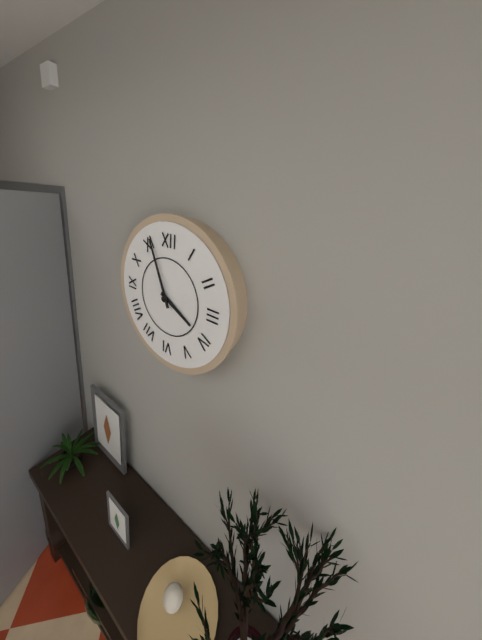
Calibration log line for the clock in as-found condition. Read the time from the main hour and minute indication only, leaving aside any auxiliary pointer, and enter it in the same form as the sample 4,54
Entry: 3,56
